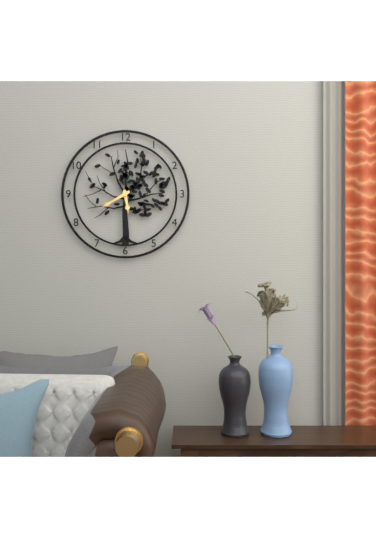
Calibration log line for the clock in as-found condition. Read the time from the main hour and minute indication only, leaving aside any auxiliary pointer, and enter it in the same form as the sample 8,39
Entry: 5,40
